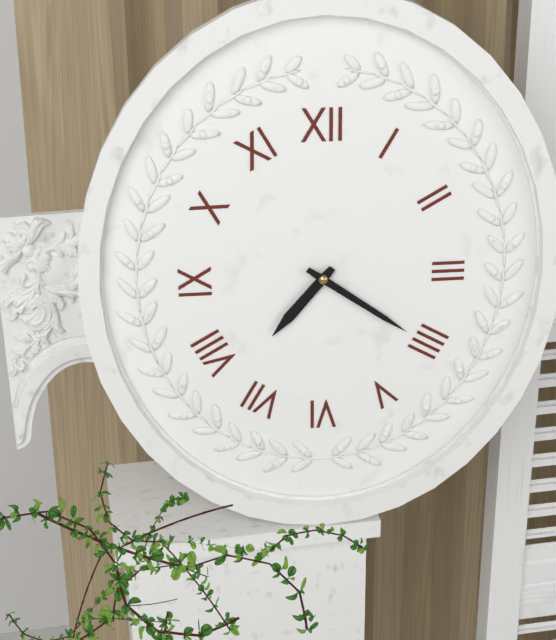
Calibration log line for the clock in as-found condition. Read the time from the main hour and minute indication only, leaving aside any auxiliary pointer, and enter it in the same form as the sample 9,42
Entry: 7,21
